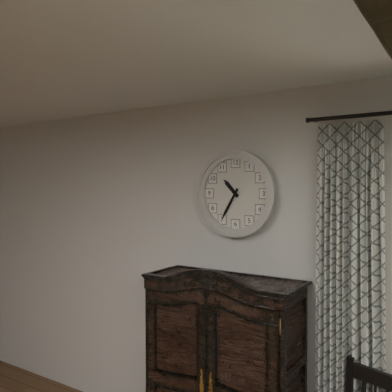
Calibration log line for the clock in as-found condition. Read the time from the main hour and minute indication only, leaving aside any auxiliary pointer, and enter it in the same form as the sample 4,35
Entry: 10,35
